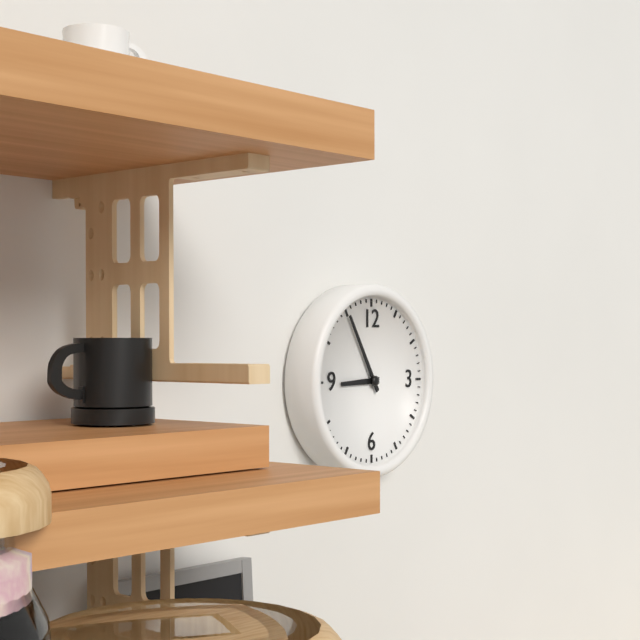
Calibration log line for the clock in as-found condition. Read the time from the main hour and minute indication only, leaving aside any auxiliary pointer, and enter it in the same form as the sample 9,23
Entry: 8,55
